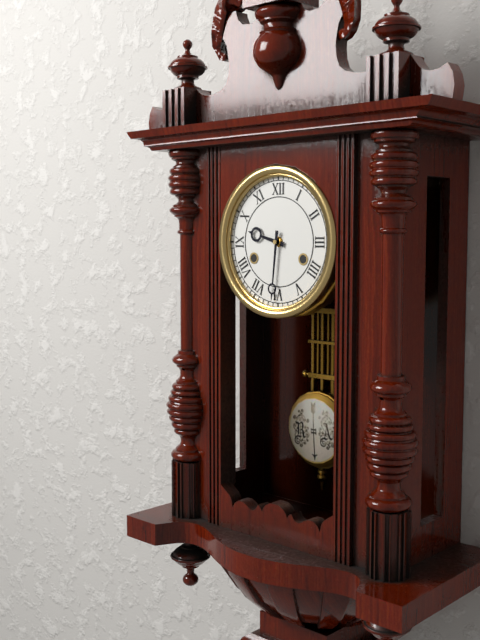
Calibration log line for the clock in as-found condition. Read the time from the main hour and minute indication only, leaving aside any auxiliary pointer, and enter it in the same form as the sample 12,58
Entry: 9,31
